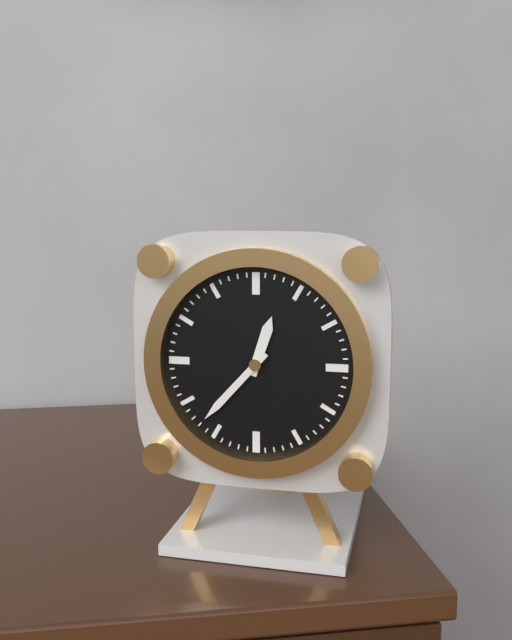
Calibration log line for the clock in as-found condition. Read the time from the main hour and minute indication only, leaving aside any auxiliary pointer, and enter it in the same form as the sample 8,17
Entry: 12,37
